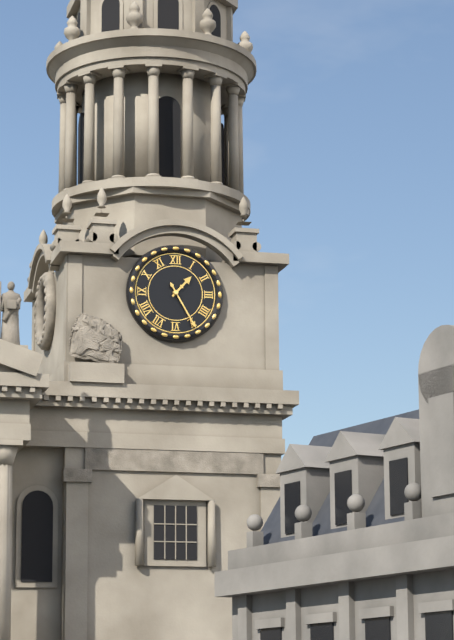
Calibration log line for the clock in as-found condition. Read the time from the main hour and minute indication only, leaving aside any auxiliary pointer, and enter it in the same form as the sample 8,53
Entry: 1,25
